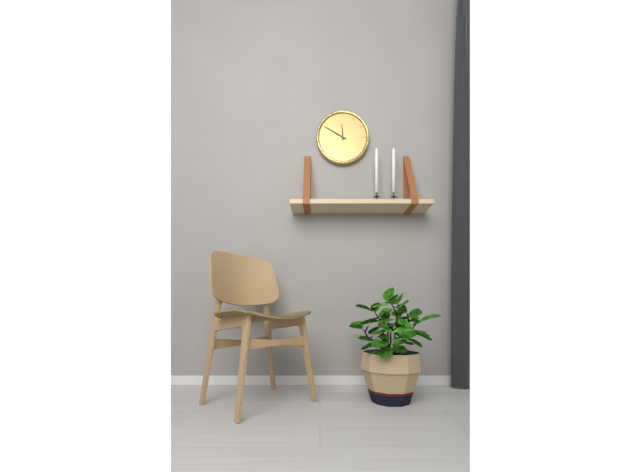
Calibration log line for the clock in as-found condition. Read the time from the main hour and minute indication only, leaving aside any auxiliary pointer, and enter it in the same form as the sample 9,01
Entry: 11,50
